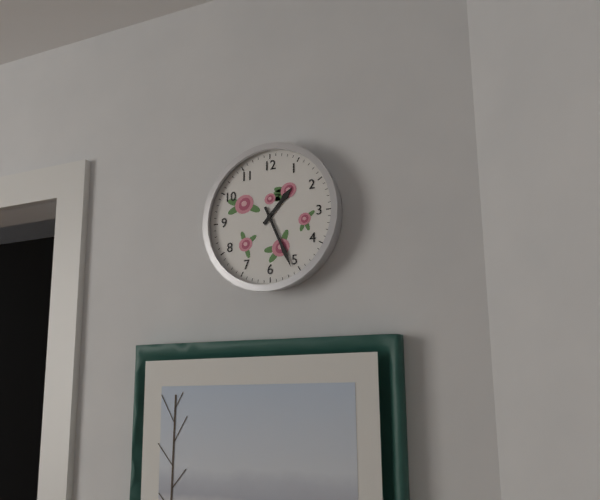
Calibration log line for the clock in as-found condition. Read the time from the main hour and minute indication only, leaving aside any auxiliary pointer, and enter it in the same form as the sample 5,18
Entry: 1,26
